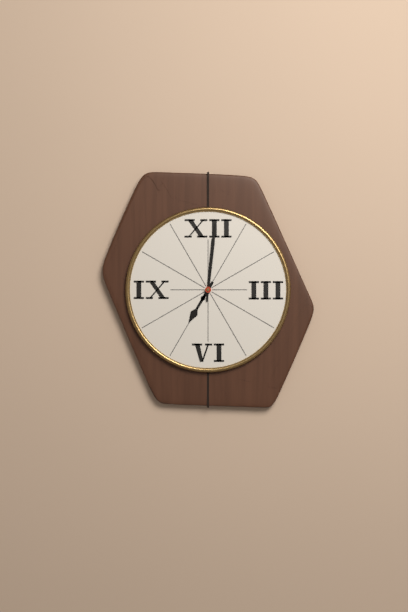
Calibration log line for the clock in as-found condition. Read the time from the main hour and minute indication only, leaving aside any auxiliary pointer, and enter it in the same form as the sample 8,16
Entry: 7,01
